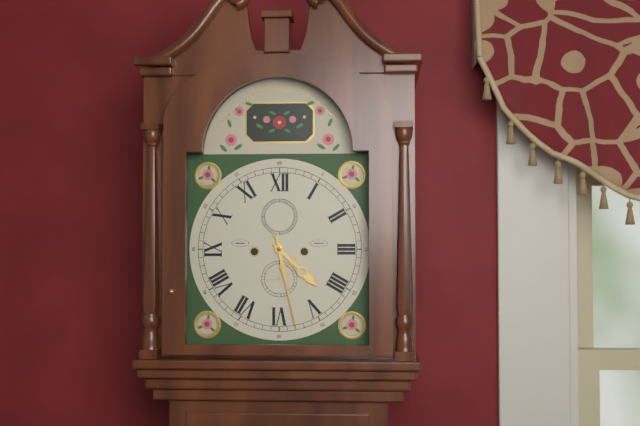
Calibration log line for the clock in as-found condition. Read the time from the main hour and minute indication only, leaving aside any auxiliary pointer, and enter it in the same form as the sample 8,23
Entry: 4,28
